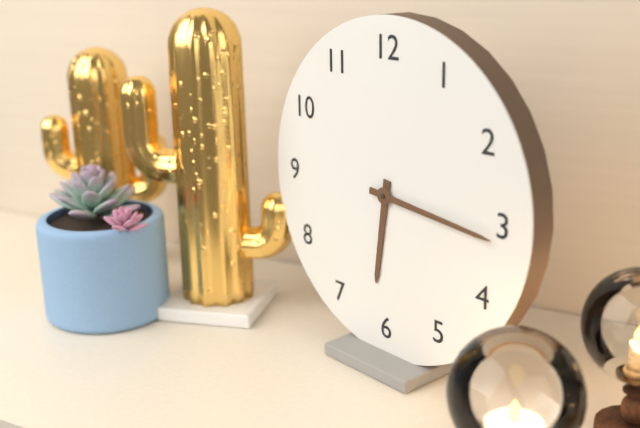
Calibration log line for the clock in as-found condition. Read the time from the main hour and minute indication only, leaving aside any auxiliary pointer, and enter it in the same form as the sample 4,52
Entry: 6,16
